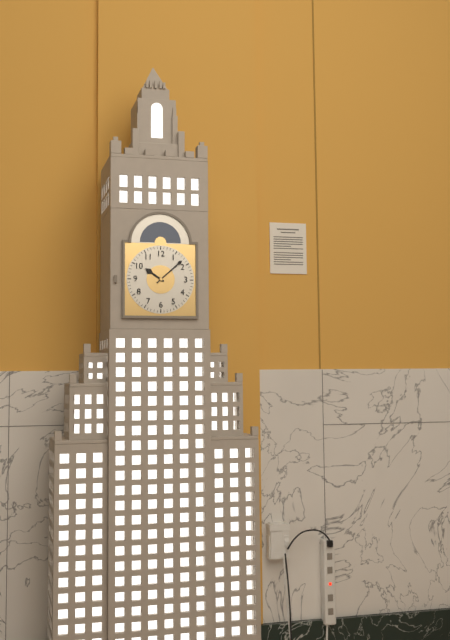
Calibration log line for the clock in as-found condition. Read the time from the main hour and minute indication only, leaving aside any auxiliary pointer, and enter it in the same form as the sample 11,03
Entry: 10,08
